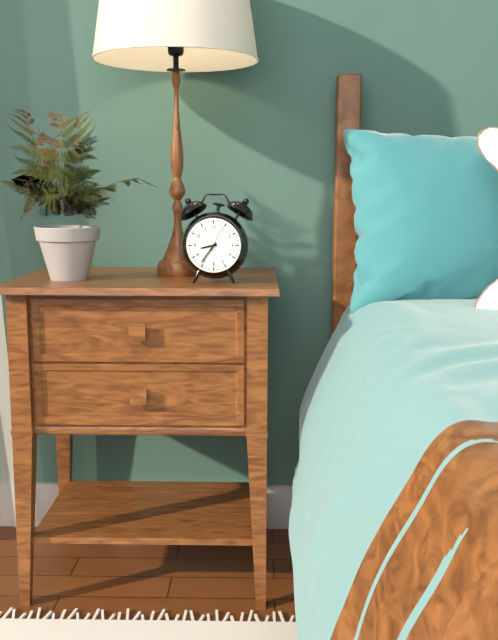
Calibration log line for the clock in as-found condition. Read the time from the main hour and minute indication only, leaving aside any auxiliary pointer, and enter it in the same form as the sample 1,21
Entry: 8,36
